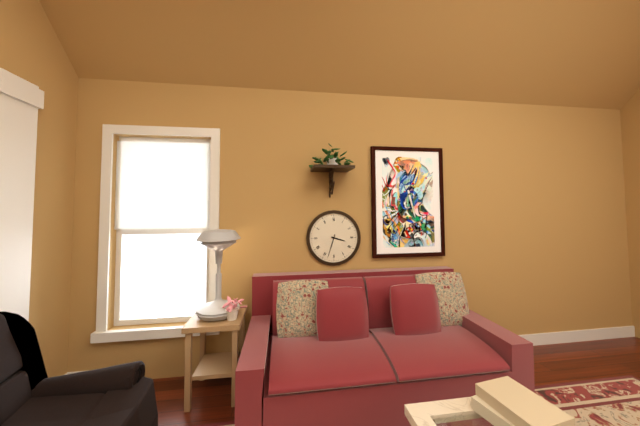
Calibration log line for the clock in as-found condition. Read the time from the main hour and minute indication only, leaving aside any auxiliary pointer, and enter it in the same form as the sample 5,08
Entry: 3,33
